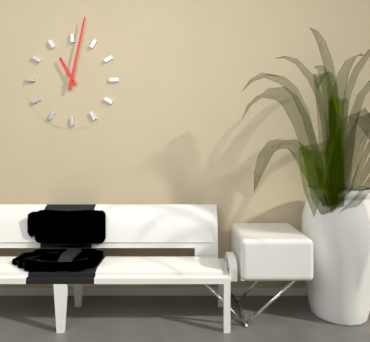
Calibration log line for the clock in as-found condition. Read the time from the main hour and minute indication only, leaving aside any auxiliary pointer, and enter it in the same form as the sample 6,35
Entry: 11,02
